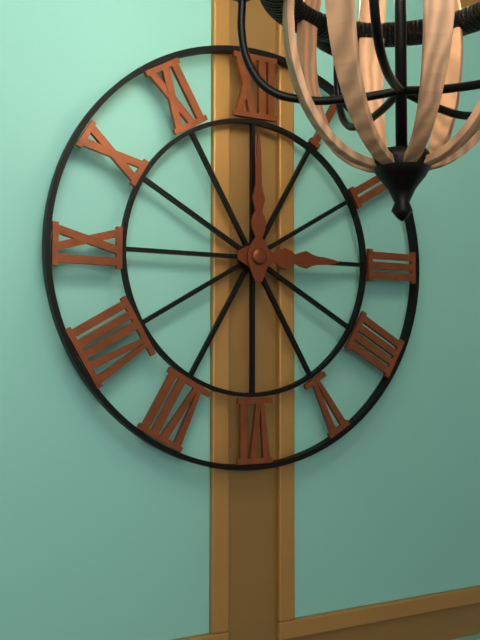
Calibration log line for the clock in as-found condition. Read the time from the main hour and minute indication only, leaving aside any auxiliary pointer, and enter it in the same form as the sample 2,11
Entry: 3,00
